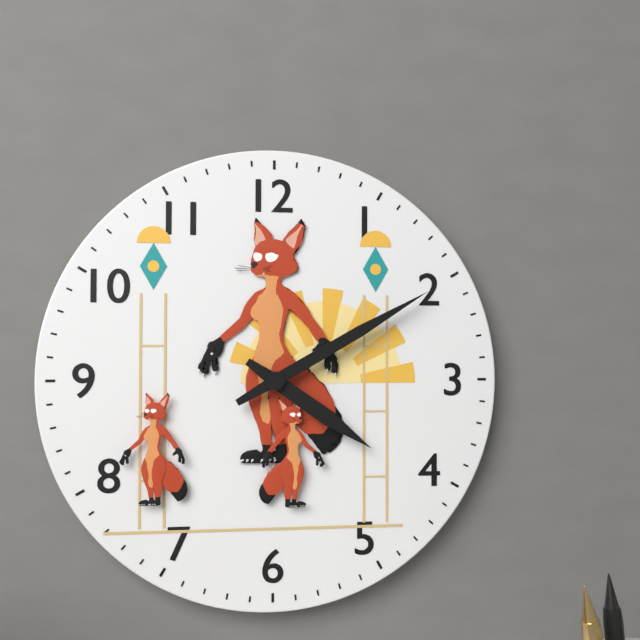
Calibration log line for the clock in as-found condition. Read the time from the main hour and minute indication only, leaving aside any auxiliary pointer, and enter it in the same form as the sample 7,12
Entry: 4,10
